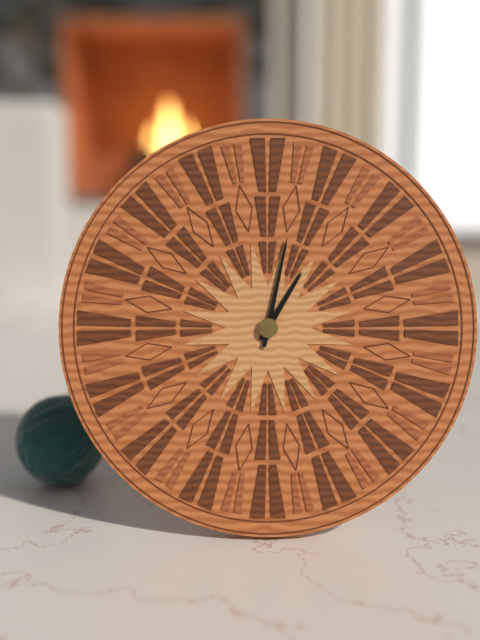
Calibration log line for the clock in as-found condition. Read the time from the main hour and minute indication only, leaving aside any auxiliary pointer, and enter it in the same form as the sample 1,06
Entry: 1,02
